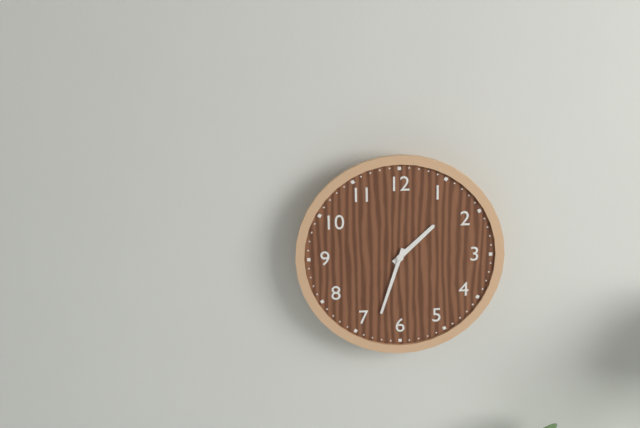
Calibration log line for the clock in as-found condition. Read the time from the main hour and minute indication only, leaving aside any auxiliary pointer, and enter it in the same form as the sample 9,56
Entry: 1,33
